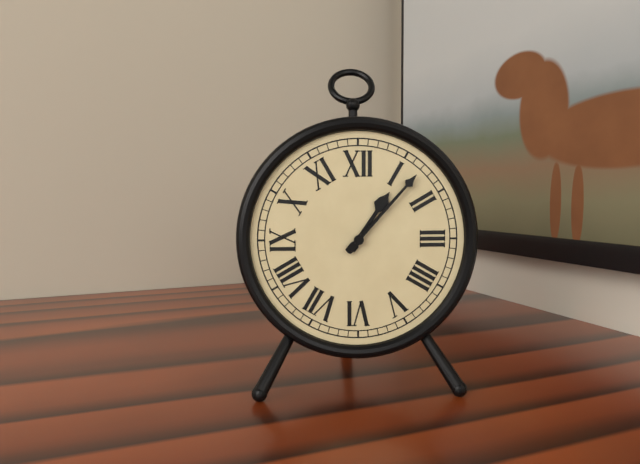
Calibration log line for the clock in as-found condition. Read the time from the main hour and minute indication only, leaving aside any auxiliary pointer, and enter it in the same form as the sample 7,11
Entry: 1,07
